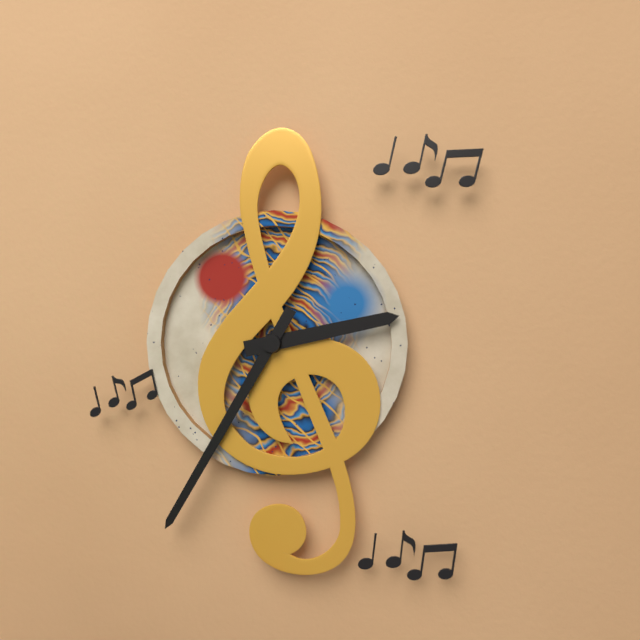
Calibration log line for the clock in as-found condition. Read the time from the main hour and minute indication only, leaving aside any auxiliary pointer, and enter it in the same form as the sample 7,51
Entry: 2,35
